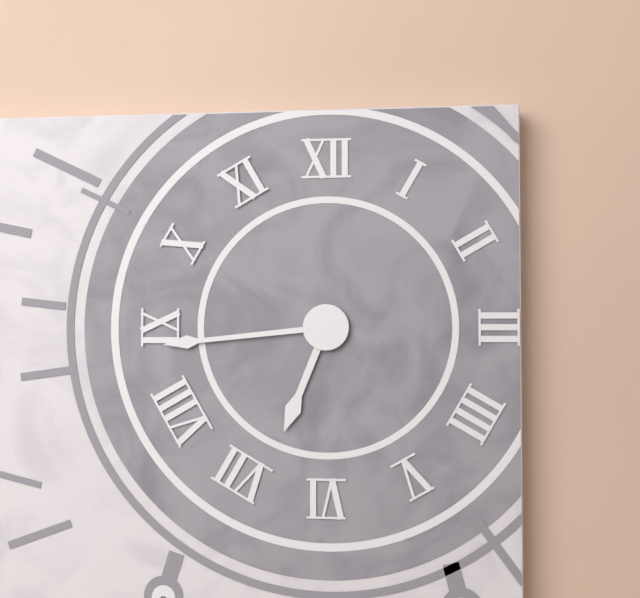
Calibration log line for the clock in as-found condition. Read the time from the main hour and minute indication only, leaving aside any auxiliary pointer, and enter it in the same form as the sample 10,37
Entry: 6,44
